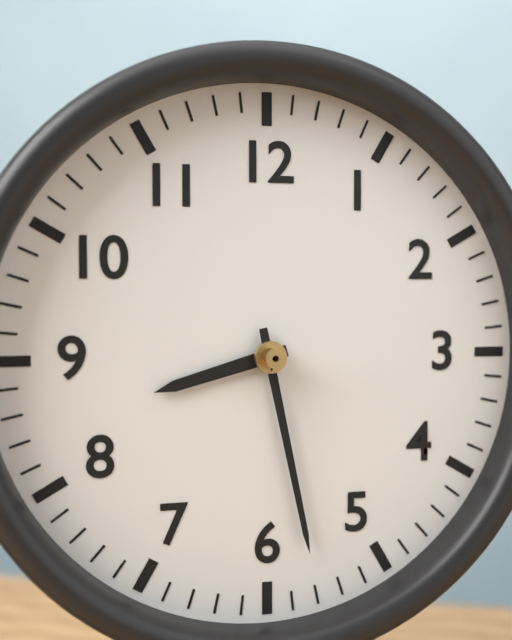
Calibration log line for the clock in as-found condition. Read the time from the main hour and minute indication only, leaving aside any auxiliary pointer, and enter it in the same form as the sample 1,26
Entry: 8,28
